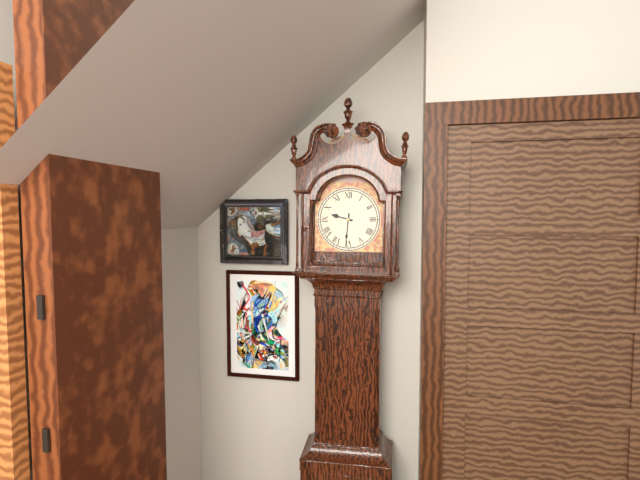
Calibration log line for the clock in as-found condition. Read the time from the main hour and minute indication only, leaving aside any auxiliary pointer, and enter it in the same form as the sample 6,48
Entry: 9,31
